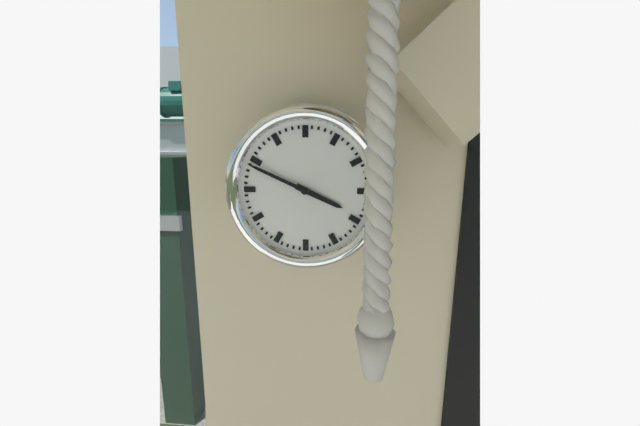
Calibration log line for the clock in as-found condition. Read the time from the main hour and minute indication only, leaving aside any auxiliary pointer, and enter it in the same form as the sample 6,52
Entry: 3,49
